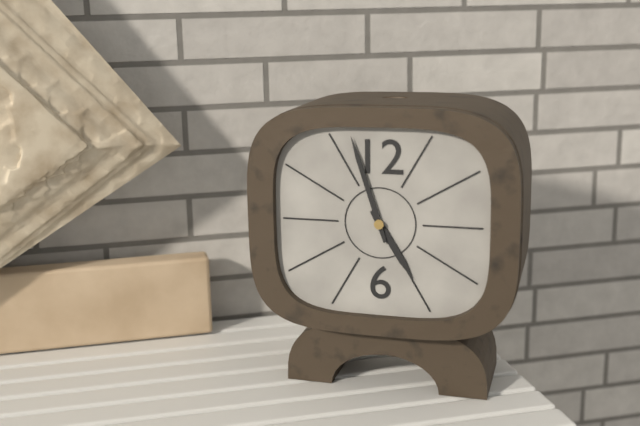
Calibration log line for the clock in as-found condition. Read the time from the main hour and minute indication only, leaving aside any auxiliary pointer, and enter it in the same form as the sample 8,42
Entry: 4,57
